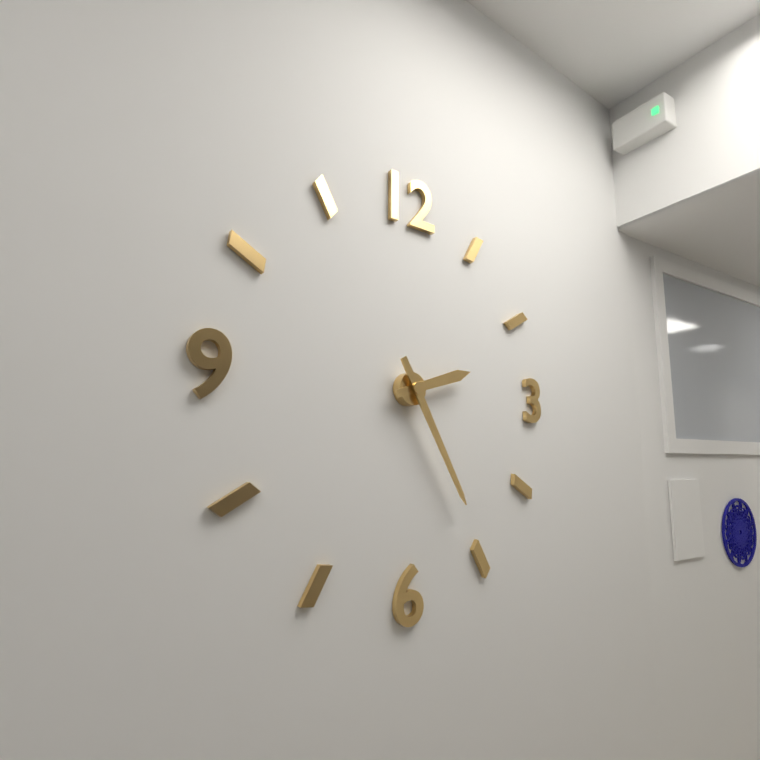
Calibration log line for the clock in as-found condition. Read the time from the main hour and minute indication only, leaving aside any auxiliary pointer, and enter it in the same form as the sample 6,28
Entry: 2,25
